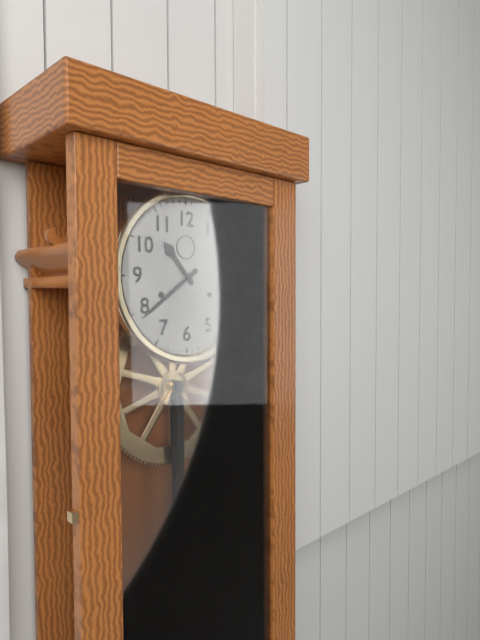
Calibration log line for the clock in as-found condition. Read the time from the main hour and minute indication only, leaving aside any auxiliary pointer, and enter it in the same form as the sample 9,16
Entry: 10,39
